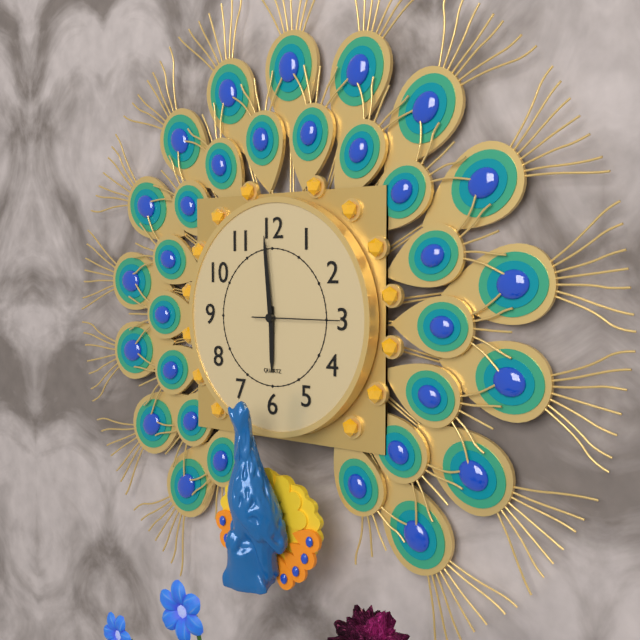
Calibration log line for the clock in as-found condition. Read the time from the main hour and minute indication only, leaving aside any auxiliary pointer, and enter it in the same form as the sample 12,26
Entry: 5,59
